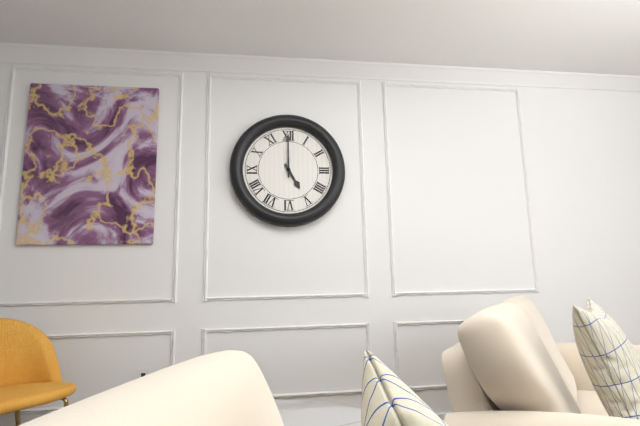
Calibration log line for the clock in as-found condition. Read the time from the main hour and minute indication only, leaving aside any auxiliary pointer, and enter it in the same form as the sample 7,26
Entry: 5,00
